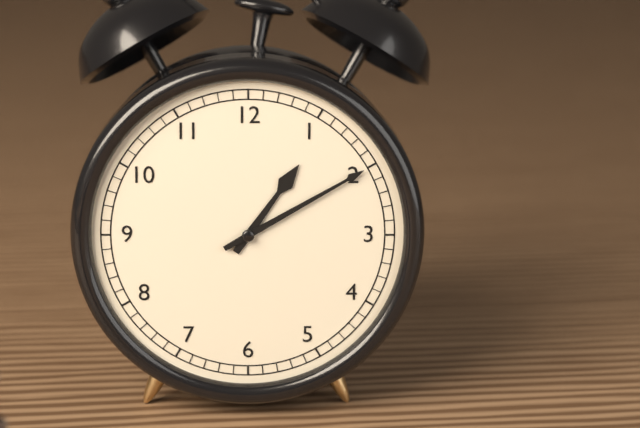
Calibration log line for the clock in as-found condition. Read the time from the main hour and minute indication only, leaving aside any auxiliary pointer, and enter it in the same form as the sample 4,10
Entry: 1,10
